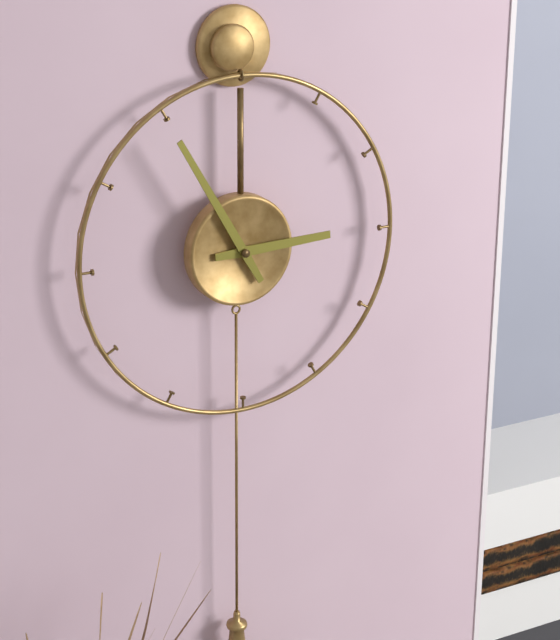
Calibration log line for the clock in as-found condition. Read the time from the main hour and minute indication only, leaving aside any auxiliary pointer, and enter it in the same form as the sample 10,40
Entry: 2,55
